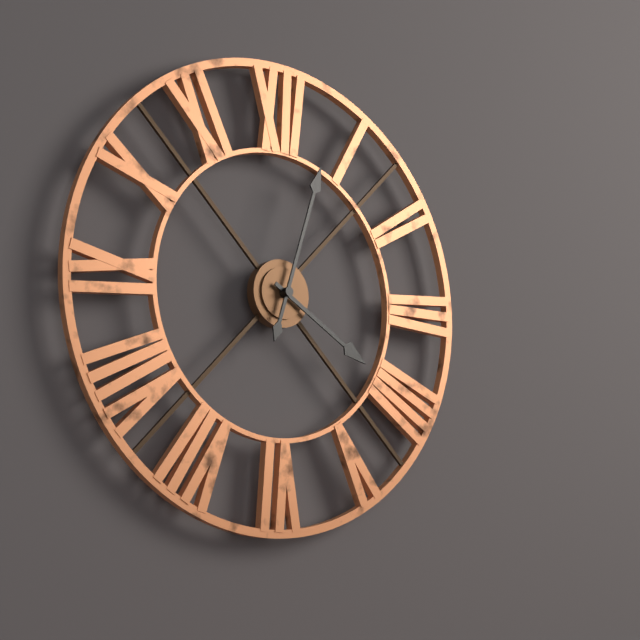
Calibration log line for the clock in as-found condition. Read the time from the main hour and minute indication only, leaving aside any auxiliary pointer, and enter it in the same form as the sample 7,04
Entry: 4,03
